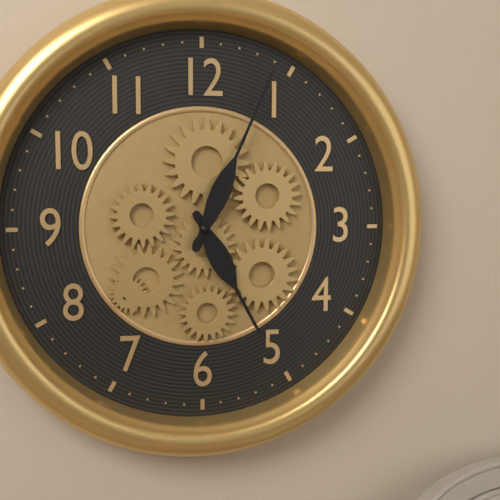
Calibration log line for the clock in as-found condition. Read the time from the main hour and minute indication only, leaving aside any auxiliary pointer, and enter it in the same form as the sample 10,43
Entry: 5,04
